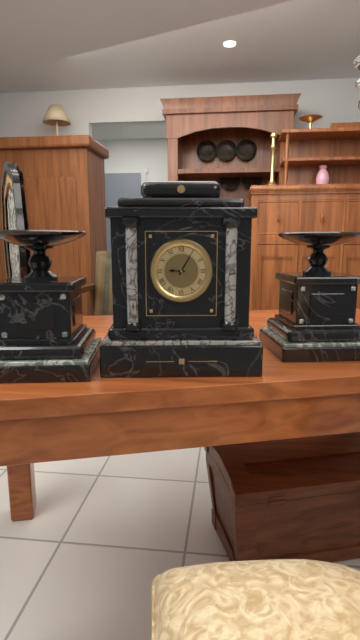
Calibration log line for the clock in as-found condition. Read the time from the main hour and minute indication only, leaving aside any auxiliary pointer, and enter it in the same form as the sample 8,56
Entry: 9,05
